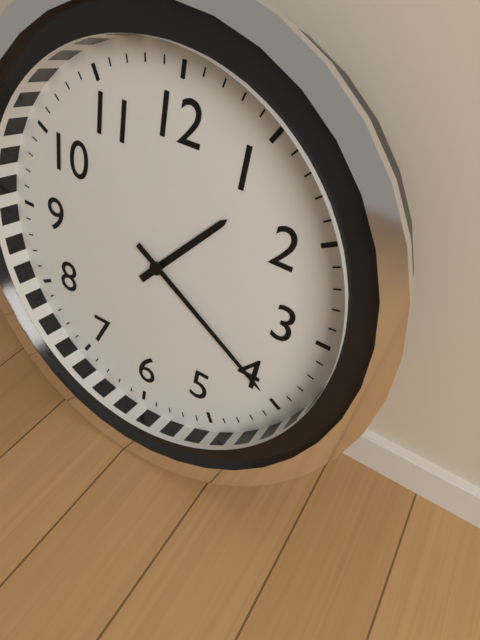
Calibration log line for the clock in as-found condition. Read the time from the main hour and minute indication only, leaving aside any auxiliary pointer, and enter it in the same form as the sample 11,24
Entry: 1,20
